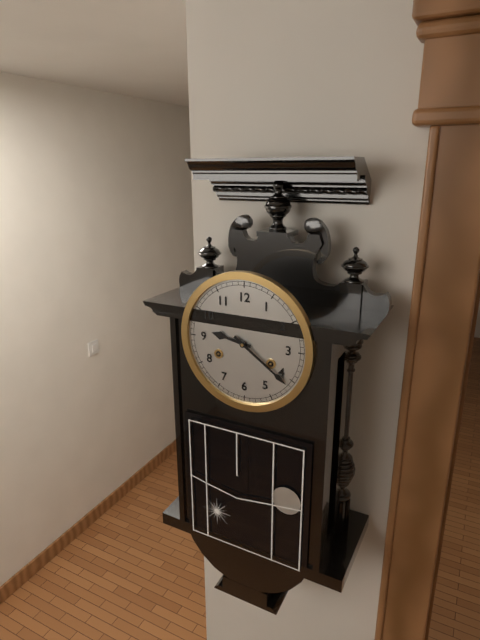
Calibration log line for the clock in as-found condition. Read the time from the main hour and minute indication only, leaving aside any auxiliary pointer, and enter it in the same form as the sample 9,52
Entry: 9,21
